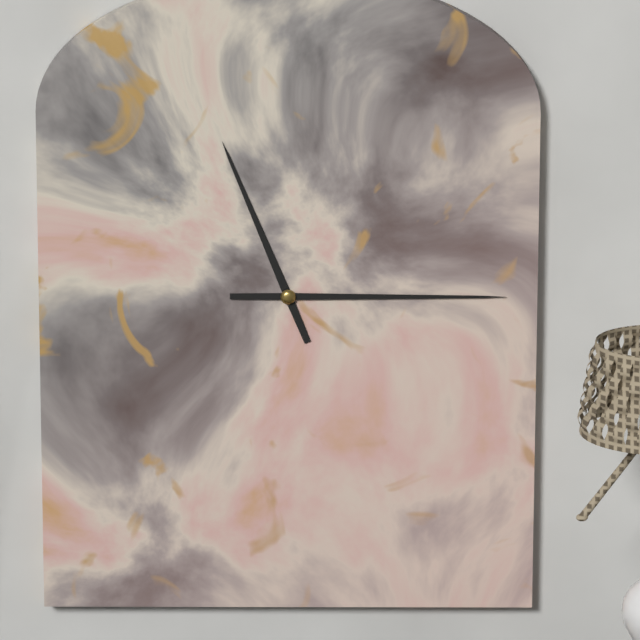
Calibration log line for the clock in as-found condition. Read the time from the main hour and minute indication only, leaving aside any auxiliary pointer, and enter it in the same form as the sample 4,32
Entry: 11,15
